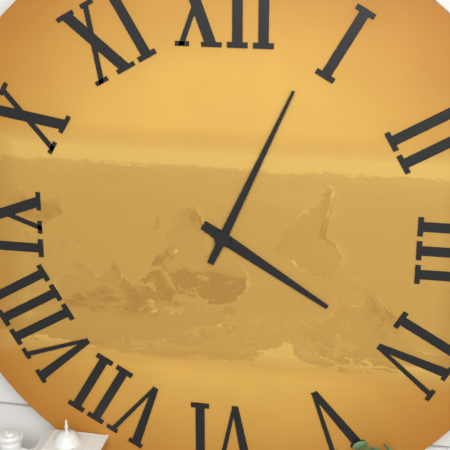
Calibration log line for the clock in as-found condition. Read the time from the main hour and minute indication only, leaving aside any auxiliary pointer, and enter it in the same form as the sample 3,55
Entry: 4,04
